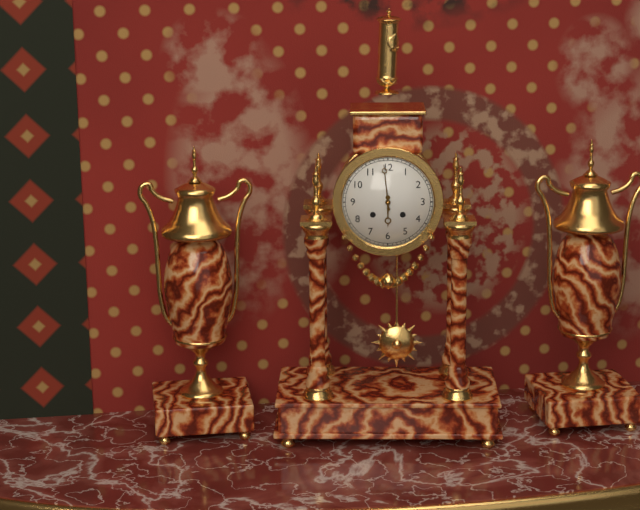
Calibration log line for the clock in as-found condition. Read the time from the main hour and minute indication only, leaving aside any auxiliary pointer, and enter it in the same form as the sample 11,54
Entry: 5,59
